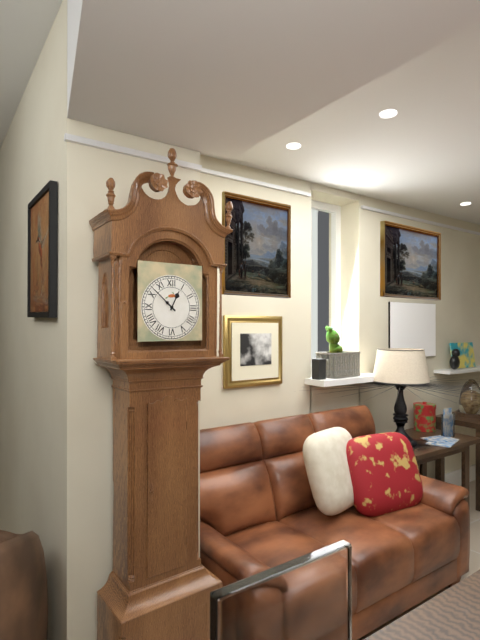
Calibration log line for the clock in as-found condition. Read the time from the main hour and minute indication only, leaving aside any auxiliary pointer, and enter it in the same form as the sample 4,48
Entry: 12,52
